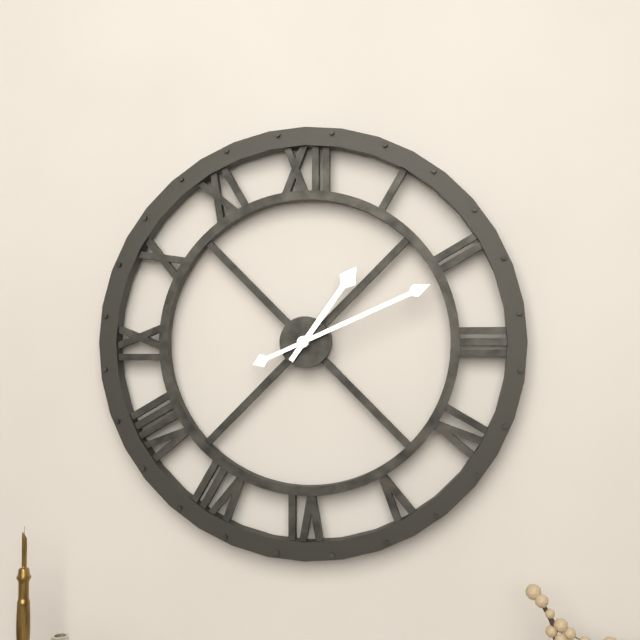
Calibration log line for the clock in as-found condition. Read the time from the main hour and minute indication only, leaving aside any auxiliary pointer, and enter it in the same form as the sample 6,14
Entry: 1,11
